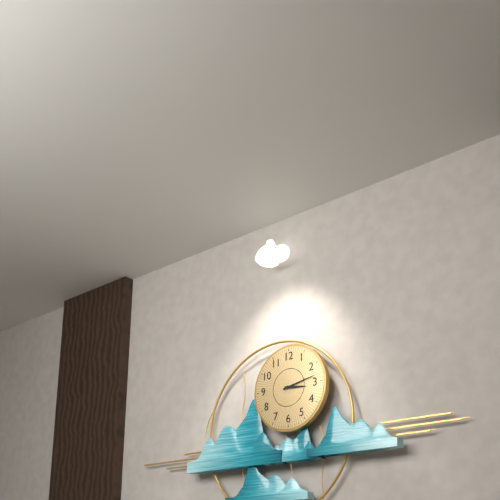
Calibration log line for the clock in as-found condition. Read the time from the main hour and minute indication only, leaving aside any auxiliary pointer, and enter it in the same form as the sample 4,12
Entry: 3,13
